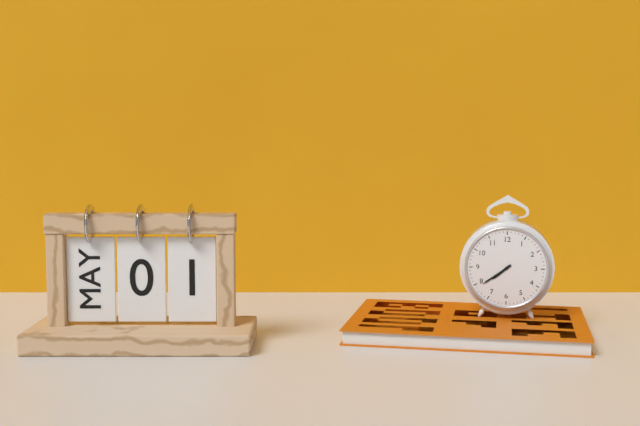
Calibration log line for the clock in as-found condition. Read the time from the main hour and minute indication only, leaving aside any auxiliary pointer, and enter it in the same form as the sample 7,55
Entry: 7,39
